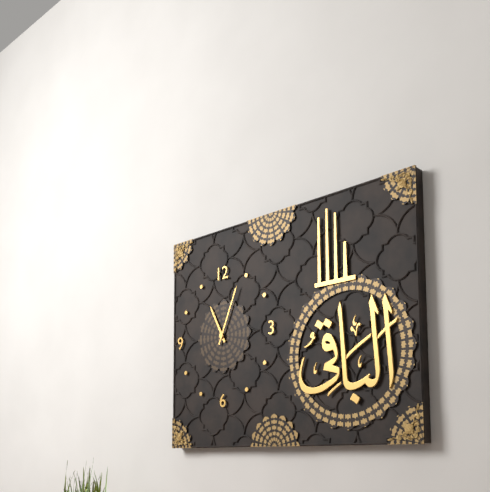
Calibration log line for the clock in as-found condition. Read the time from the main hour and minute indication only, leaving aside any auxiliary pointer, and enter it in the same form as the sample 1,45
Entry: 11,04
